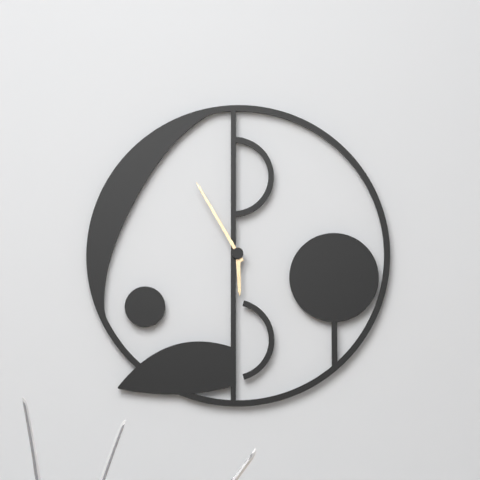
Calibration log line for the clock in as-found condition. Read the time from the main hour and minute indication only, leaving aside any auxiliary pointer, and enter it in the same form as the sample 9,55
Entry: 5,55
